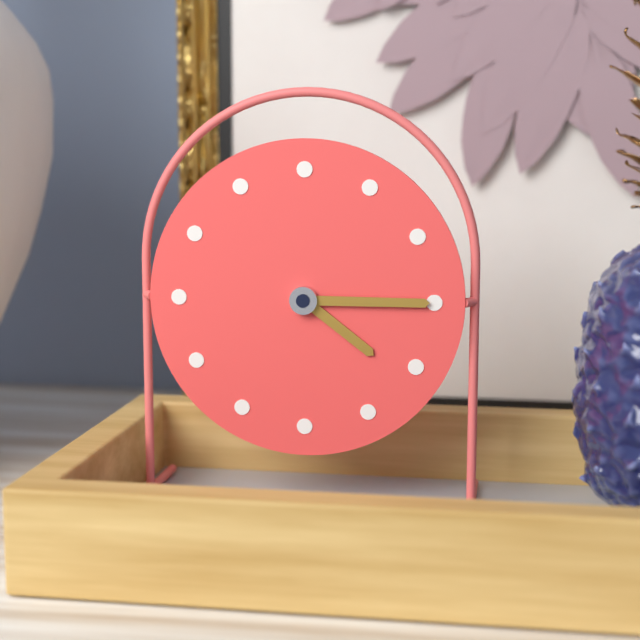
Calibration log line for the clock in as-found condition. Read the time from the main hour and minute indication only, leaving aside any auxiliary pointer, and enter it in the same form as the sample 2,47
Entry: 4,15
